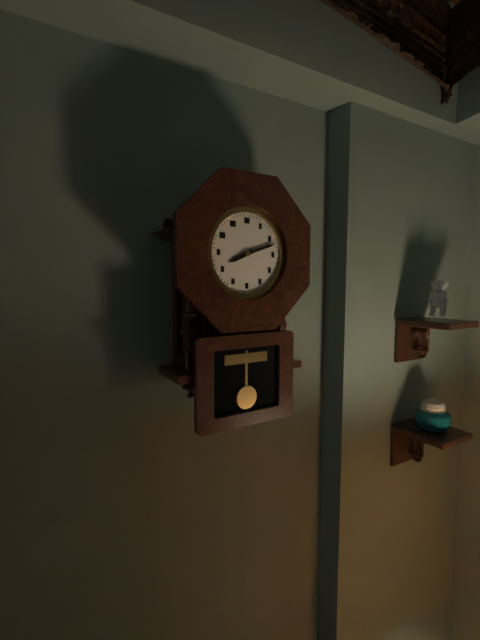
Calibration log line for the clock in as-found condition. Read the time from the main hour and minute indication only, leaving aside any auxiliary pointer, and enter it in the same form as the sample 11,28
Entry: 8,12
